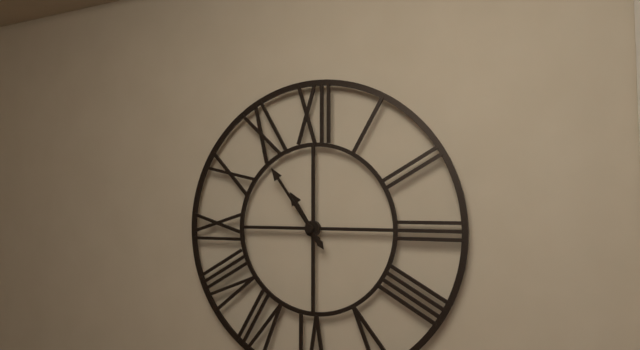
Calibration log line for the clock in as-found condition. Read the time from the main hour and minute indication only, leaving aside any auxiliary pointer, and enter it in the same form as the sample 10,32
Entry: 10,54
